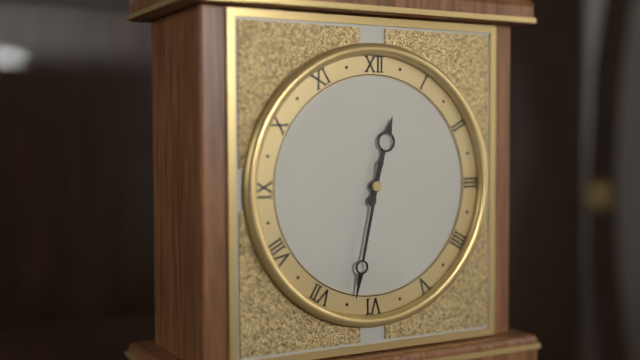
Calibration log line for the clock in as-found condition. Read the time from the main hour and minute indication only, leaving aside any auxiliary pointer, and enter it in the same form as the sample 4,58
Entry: 12,32
